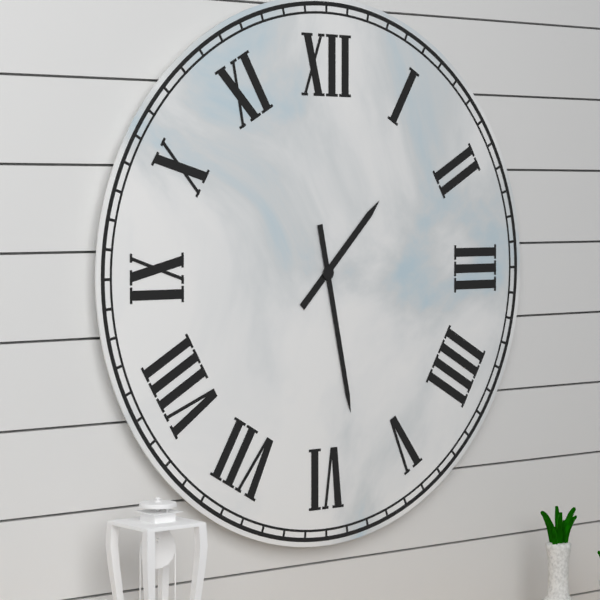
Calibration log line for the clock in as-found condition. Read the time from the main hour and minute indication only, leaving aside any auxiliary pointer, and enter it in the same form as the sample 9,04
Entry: 1,28
